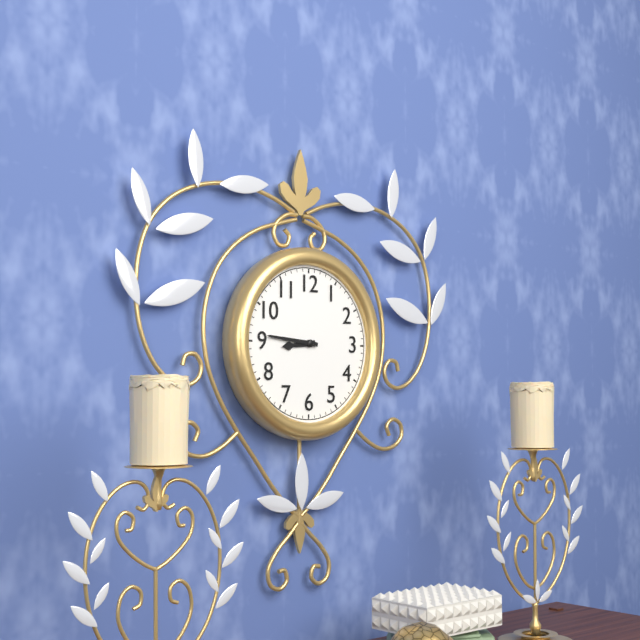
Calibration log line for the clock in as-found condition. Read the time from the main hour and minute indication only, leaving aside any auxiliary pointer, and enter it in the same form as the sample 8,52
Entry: 8,46
